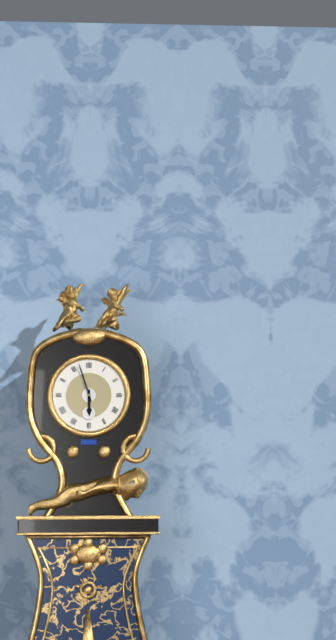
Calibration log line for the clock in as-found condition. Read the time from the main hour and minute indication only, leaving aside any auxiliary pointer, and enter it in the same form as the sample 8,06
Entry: 5,57
